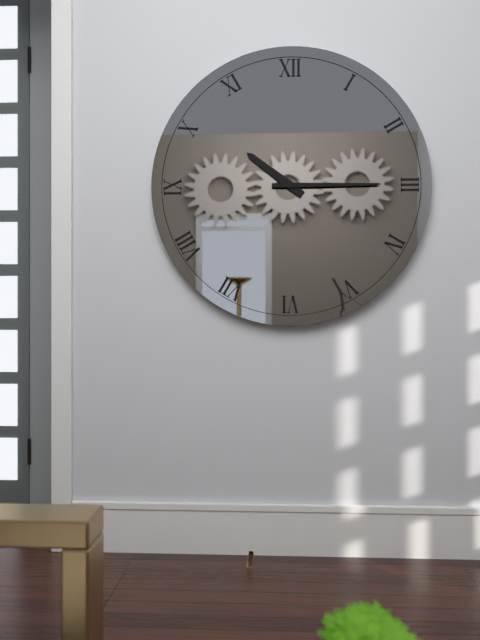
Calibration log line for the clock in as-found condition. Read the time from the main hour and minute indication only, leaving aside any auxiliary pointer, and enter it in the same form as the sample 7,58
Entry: 10,15
